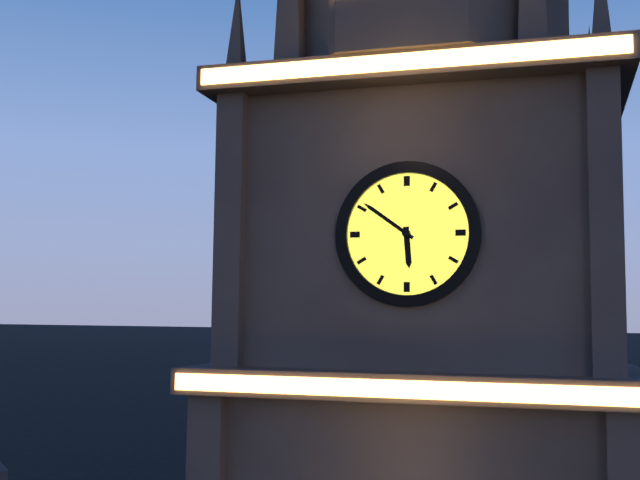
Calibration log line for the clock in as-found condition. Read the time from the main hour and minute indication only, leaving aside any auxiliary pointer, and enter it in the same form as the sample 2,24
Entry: 5,51
